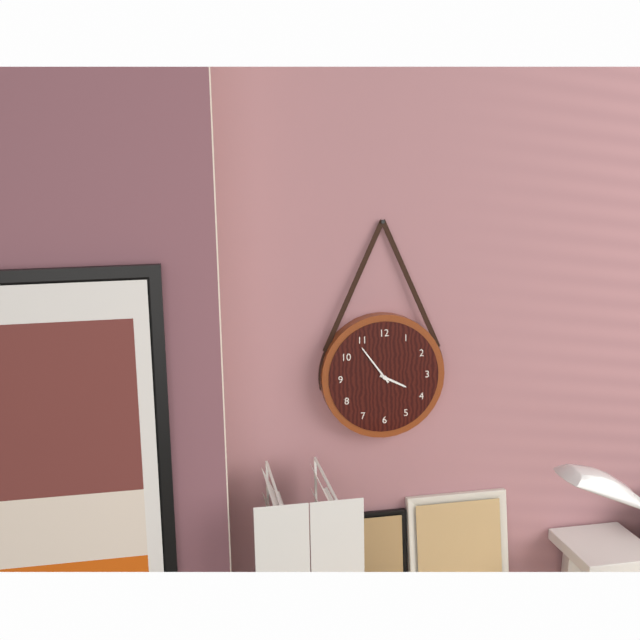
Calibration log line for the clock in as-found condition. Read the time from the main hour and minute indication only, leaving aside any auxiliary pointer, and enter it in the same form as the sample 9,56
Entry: 3,54
